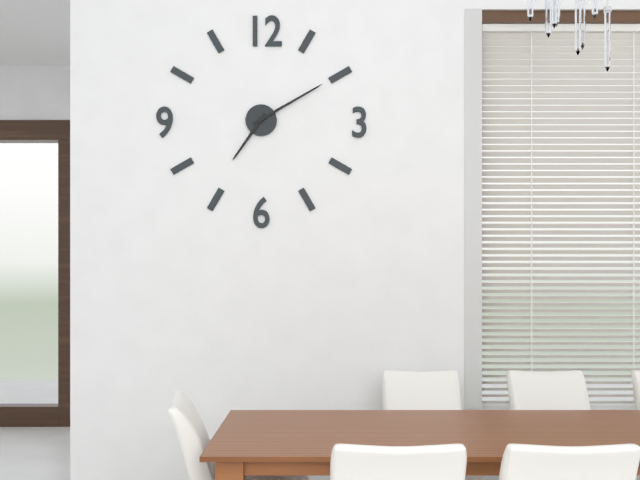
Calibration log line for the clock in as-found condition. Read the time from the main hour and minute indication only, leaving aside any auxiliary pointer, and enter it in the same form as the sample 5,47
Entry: 7,10
